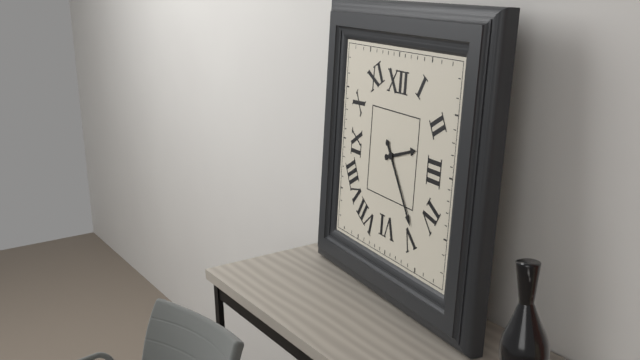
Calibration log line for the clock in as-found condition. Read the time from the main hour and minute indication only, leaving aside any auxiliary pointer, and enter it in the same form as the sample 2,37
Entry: 2,24
